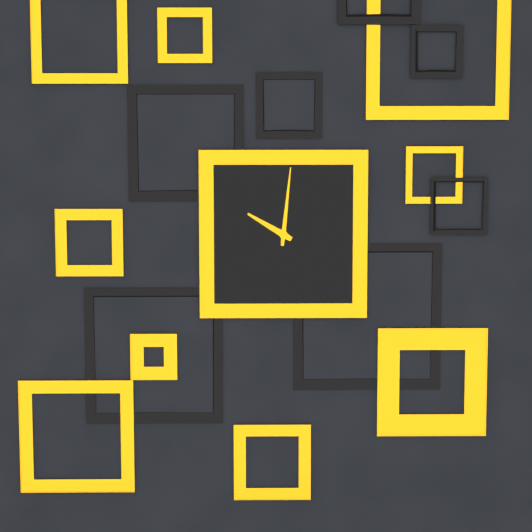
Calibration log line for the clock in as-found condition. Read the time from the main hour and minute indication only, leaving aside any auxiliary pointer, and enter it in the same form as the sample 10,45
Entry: 10,01
